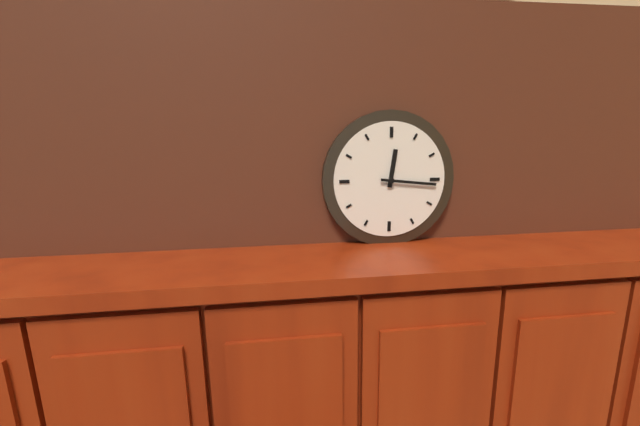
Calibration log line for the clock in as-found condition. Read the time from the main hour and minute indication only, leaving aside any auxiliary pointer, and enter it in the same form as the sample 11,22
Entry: 12,16
